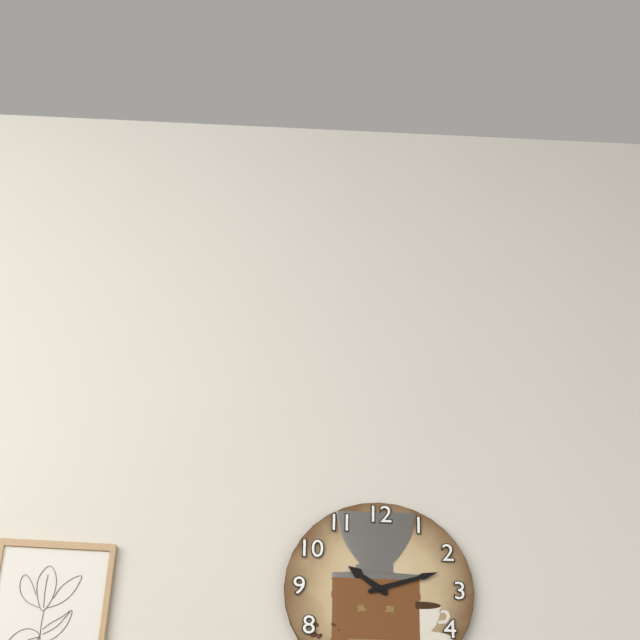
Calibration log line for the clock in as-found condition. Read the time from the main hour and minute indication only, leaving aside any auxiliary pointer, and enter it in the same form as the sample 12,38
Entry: 10,12
